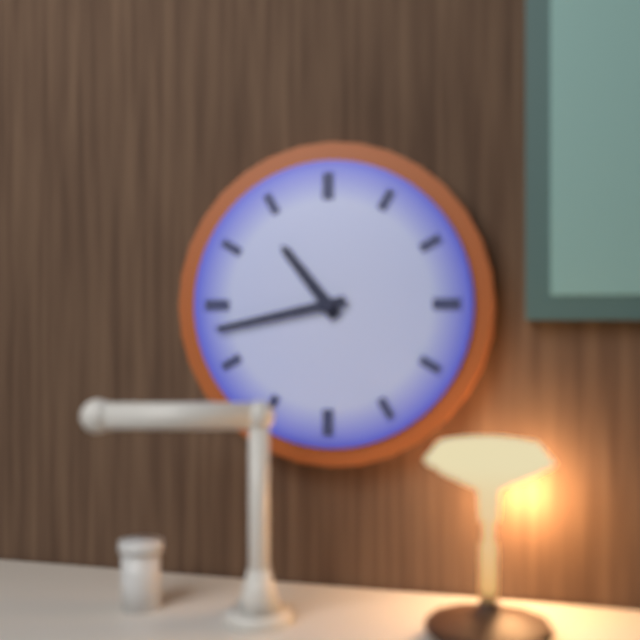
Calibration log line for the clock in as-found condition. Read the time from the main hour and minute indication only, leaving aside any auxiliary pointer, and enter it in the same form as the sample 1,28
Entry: 10,43
